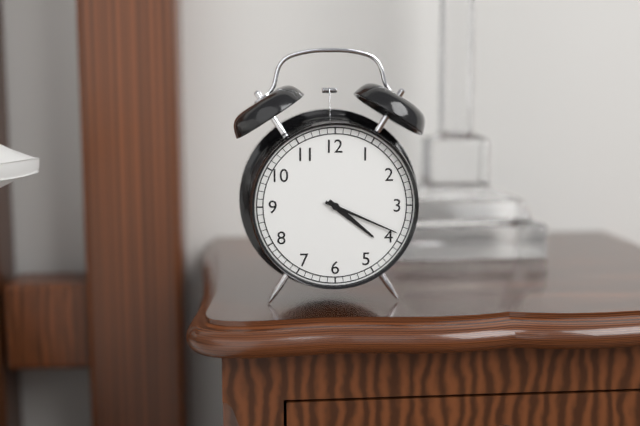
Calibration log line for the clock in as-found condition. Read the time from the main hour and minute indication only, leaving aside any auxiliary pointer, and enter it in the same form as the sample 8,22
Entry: 4,19
